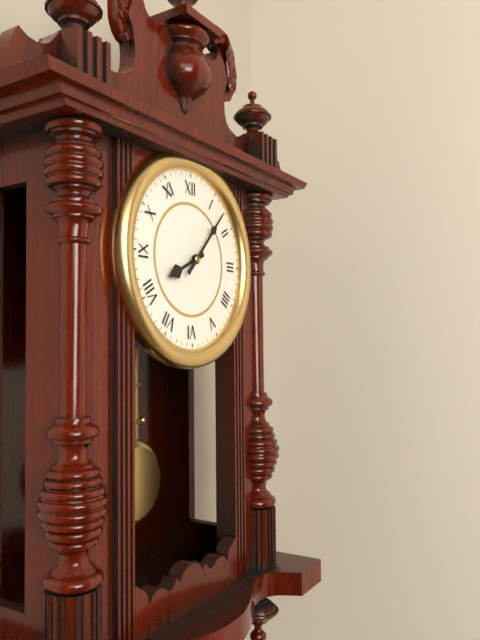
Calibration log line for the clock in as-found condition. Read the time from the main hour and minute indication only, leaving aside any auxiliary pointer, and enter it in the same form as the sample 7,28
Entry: 8,07
